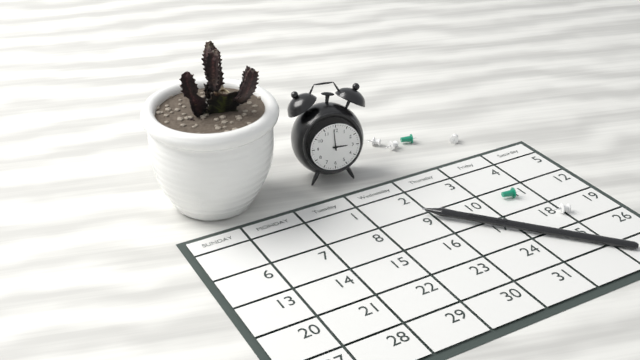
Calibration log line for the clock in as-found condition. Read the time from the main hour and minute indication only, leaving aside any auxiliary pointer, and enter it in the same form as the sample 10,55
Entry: 2,59
